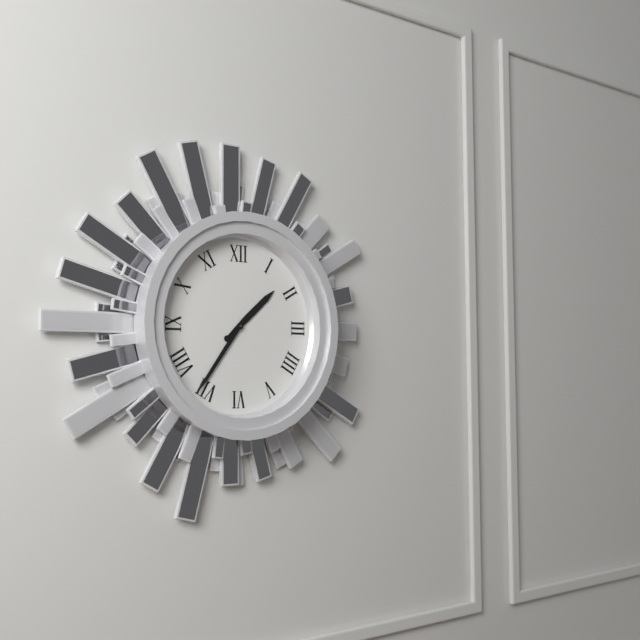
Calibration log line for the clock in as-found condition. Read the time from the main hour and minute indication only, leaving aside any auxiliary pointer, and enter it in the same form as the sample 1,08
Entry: 1,36
